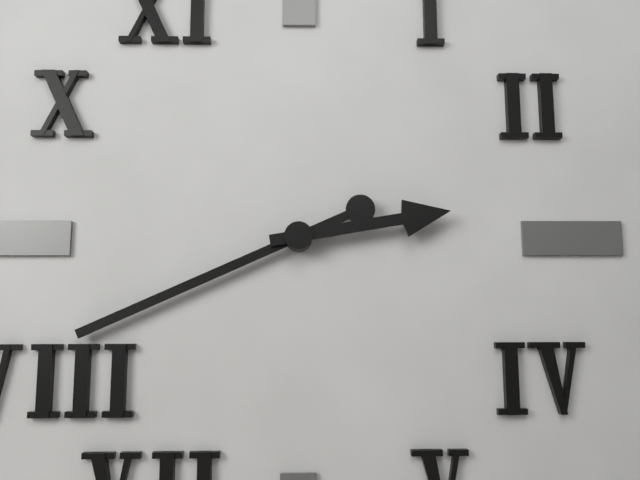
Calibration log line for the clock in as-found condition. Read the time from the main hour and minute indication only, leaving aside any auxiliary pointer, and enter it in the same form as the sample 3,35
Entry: 2,41
